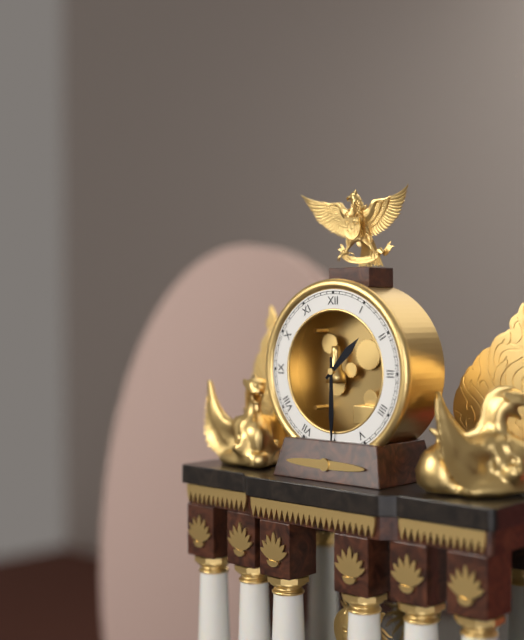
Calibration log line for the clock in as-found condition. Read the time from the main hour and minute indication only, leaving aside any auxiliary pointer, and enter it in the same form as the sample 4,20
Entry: 1,30
